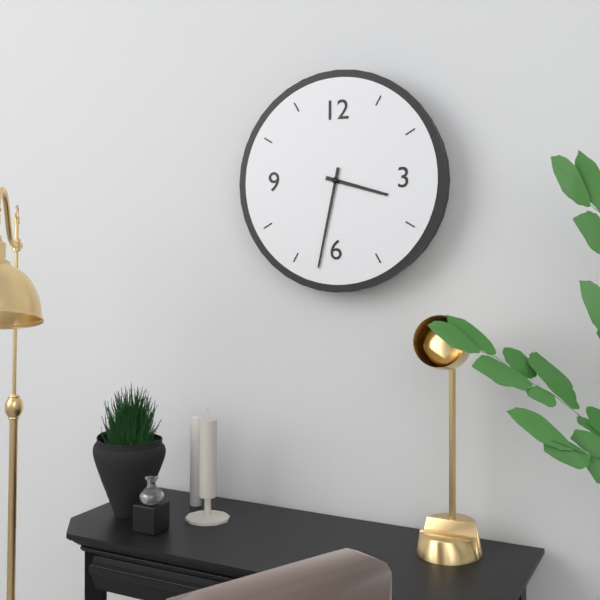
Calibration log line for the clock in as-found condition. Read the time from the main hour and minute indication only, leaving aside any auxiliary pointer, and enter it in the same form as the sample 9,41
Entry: 3,32
